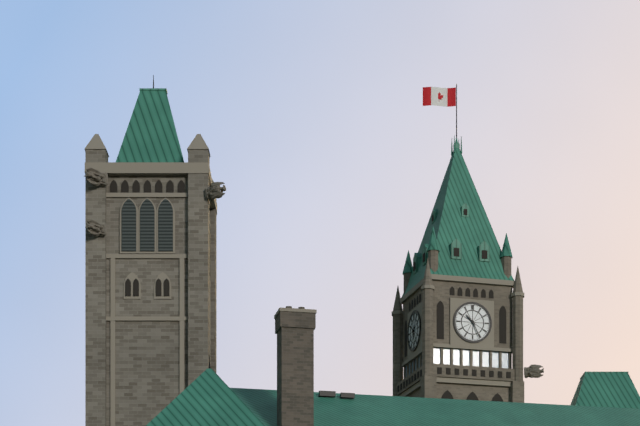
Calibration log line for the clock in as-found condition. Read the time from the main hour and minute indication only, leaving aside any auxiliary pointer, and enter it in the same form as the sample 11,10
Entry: 10,26
